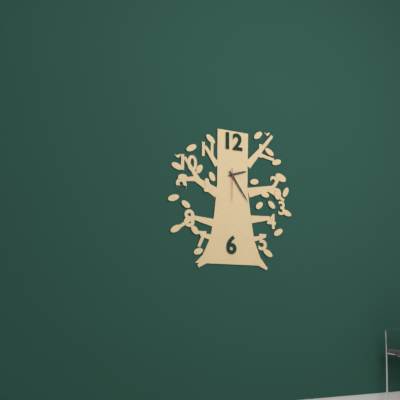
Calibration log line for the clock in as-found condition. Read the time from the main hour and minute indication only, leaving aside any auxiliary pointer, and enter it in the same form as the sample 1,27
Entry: 2,24
